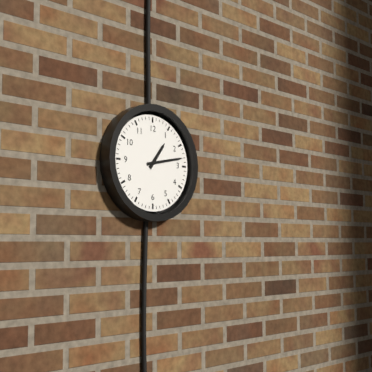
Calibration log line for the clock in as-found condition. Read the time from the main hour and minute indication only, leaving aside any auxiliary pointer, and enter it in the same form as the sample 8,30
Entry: 1,13
